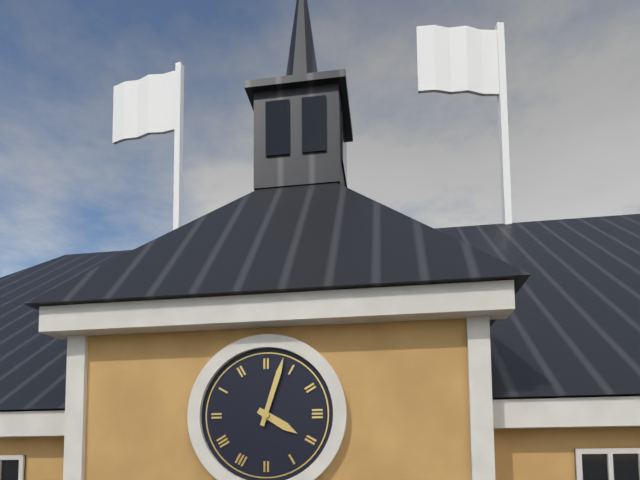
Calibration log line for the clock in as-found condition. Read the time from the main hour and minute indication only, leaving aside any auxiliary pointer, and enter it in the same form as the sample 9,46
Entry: 4,03
